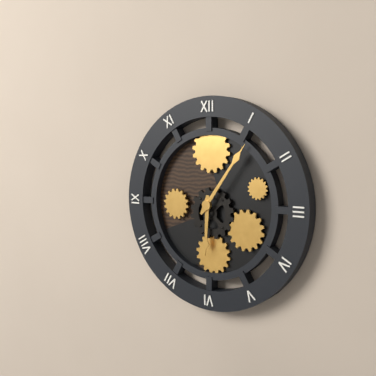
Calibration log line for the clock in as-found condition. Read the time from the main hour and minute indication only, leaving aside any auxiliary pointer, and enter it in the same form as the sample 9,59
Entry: 6,06
